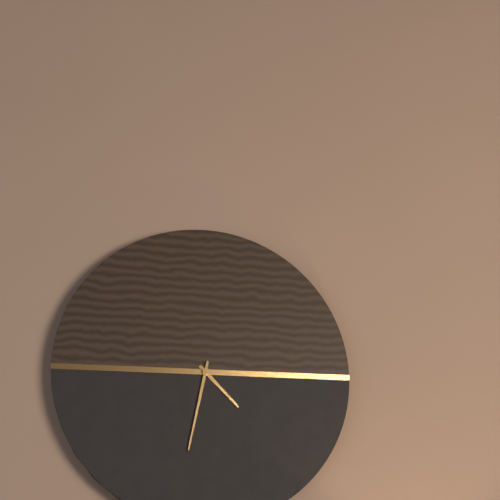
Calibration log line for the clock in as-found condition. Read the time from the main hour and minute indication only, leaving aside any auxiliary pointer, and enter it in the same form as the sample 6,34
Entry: 4,32
